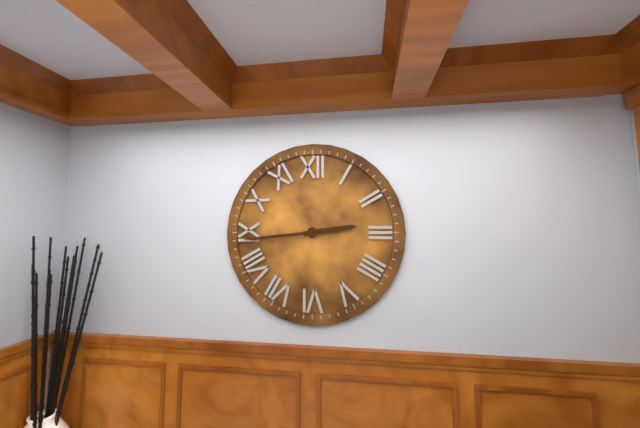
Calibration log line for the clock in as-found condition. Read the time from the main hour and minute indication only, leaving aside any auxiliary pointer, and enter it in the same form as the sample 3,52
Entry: 2,44
